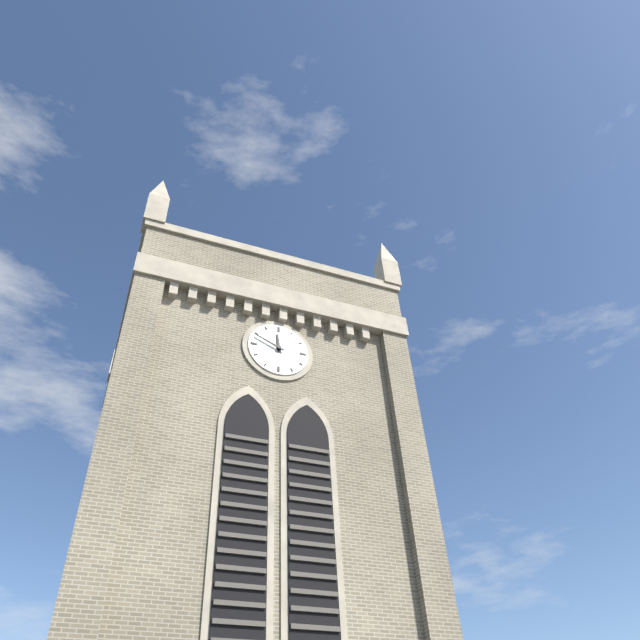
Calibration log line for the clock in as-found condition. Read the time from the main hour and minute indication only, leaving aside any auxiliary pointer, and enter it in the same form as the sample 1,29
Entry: 11,49
